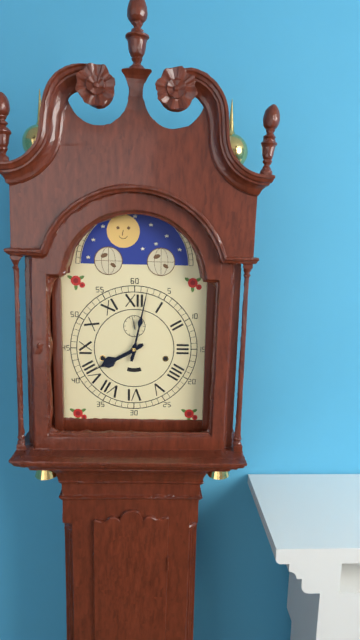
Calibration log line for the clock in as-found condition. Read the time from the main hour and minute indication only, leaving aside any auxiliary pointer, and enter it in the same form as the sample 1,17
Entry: 8,02
